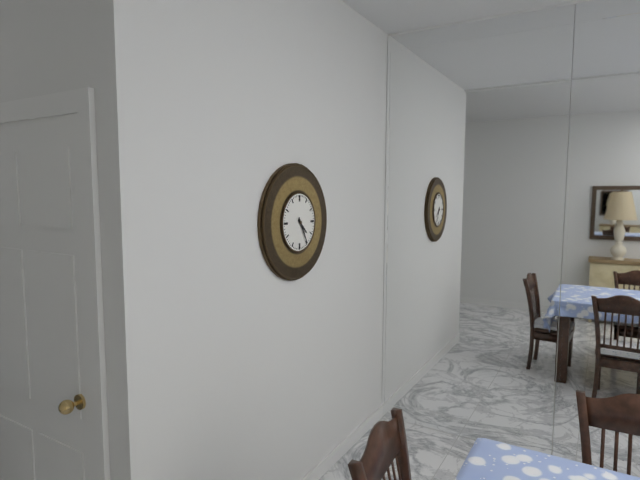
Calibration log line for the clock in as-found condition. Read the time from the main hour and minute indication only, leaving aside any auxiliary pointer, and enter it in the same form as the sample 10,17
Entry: 4,25
